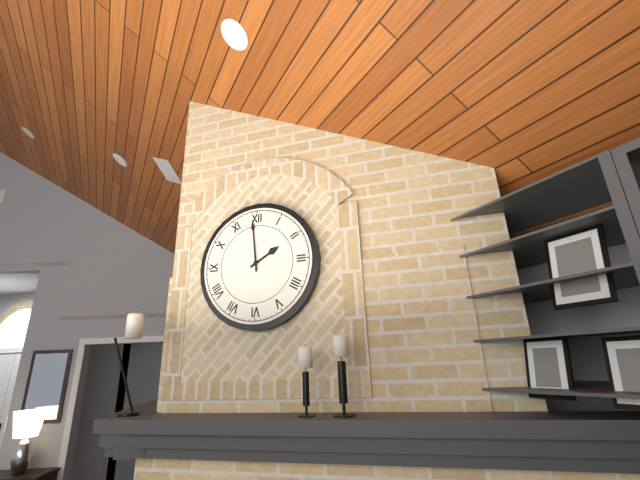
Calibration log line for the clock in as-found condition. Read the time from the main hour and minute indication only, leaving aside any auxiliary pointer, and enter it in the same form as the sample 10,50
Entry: 1,59
